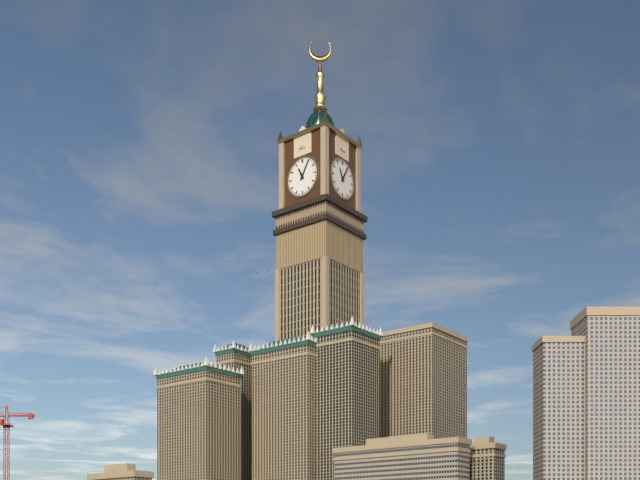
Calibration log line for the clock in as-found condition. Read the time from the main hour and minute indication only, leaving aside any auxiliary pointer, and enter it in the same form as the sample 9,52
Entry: 11,05
